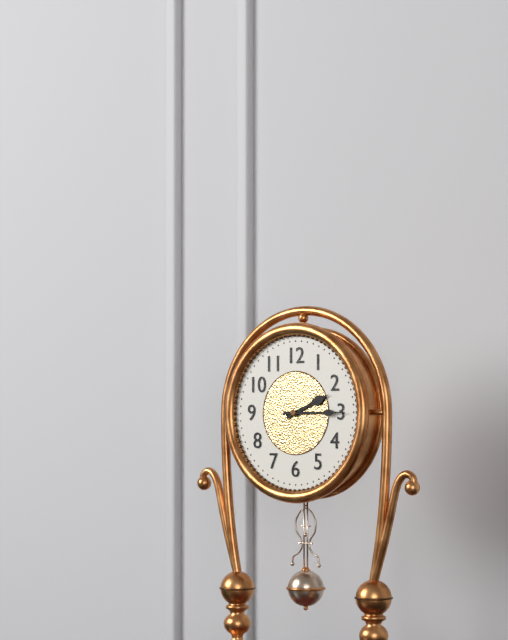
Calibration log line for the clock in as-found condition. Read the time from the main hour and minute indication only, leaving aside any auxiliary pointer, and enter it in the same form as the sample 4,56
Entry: 2,15
